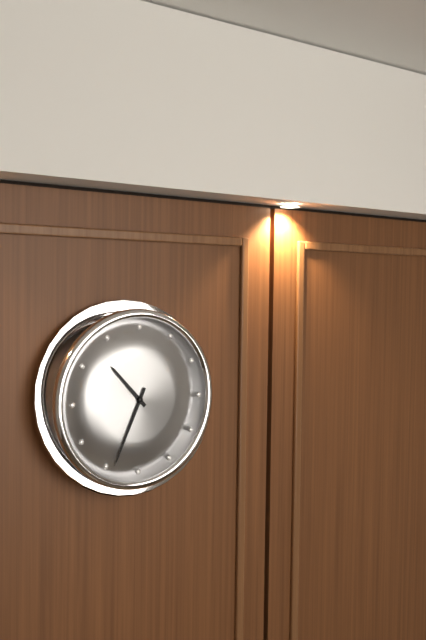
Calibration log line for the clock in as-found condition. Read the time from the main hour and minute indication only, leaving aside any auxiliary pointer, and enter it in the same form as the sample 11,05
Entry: 10,34
